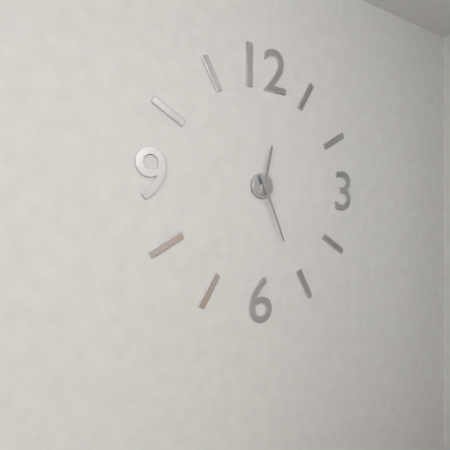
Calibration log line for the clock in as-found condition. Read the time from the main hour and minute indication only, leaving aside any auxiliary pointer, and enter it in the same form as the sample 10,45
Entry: 12,26
